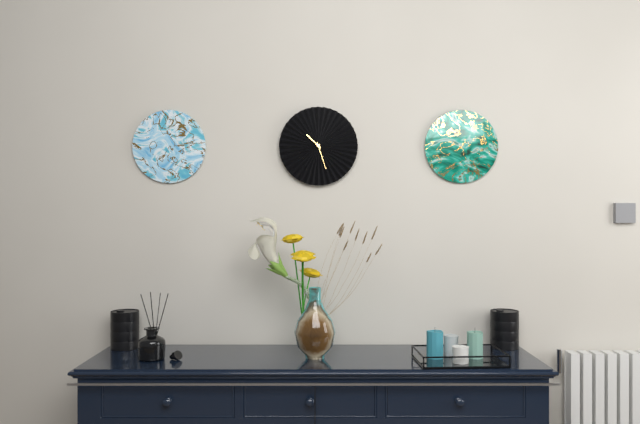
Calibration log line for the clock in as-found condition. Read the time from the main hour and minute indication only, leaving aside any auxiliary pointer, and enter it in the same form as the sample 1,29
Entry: 10,27
